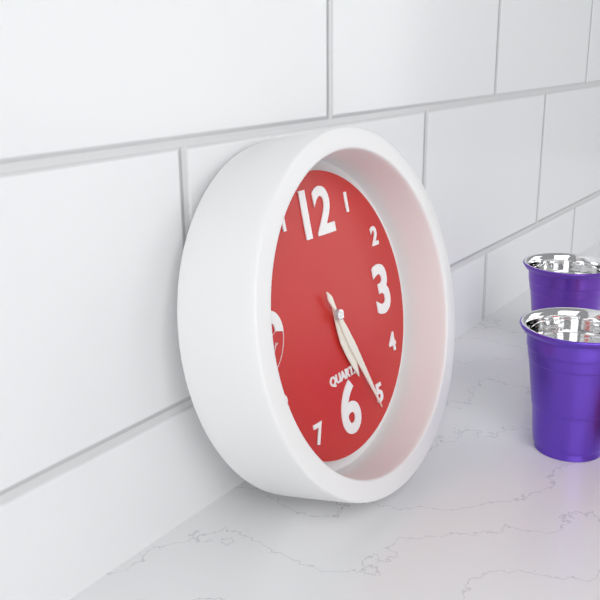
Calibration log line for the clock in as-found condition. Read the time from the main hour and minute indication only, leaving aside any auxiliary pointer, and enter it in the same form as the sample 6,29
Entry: 5,26
